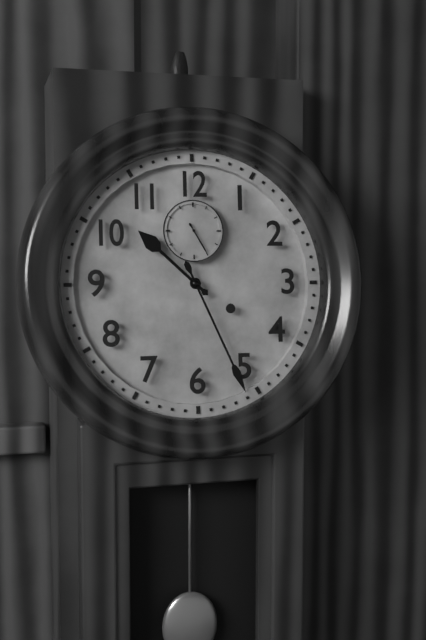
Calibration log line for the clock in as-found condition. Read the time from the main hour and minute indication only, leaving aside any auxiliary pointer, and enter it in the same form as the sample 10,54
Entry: 10,26
